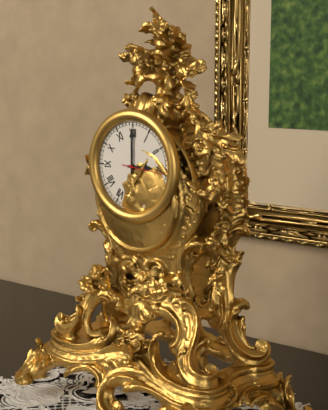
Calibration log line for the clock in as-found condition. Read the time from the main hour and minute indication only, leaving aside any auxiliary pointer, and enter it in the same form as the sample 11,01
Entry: 3,00
